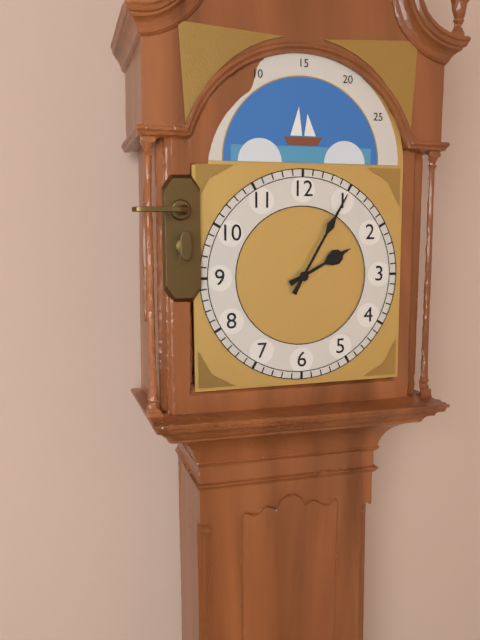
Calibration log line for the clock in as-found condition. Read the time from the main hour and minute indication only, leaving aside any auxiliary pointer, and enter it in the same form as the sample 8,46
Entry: 2,05
